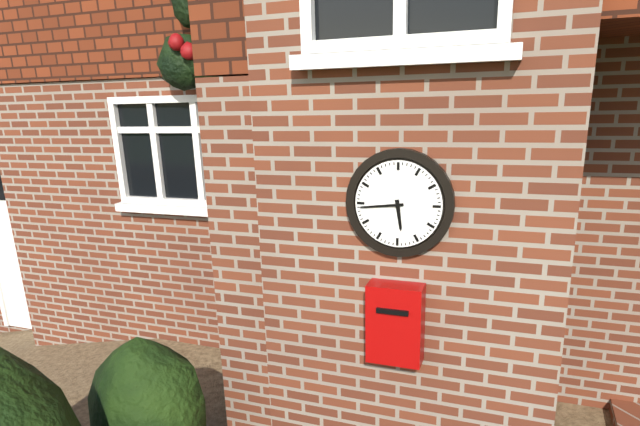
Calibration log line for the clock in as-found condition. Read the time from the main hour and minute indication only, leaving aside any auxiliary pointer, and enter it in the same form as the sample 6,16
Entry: 5,44
